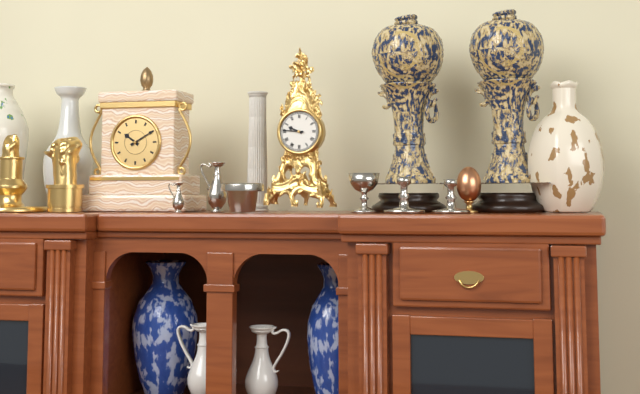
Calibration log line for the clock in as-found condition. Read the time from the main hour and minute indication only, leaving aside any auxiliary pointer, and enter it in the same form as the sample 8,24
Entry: 9,46
